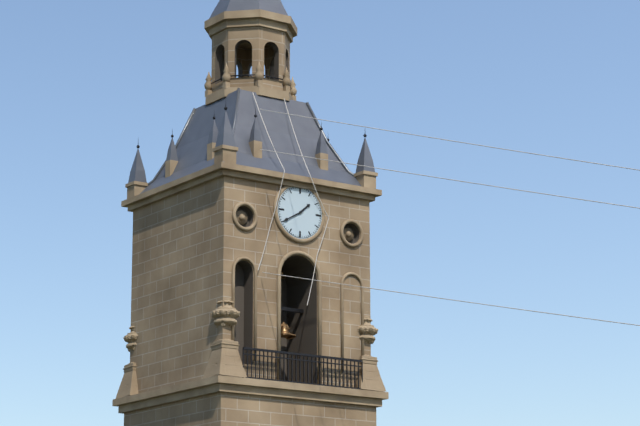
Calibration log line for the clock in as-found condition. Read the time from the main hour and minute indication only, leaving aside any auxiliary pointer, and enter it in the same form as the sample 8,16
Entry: 1,40
